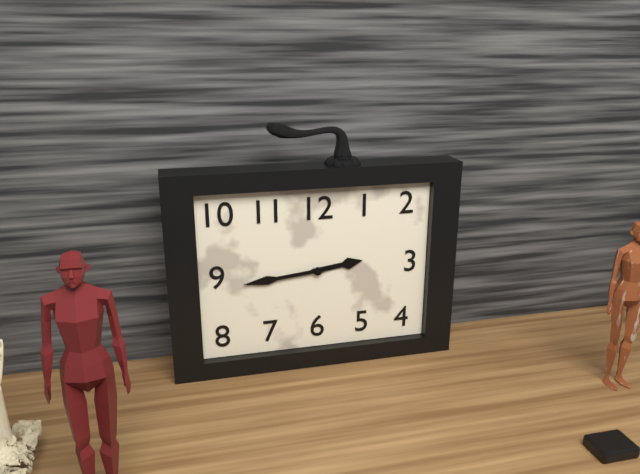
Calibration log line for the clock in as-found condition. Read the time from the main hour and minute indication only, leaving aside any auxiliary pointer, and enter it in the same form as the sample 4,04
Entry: 2,44
